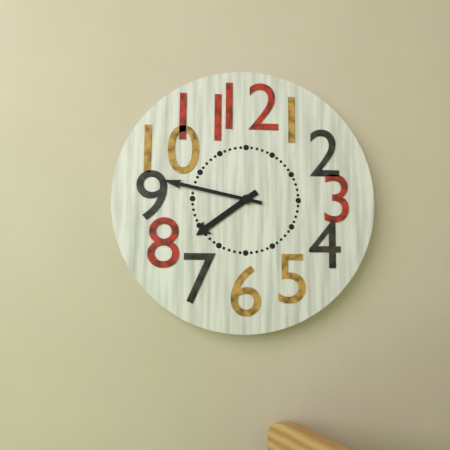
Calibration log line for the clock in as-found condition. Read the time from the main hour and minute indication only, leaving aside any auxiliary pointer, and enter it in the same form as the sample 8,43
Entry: 7,47
